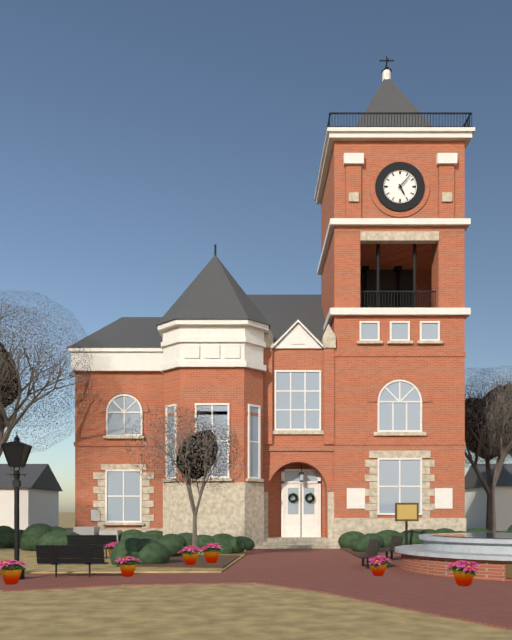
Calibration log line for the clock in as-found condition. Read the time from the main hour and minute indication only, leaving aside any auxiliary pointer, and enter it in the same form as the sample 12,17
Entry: 5,07
